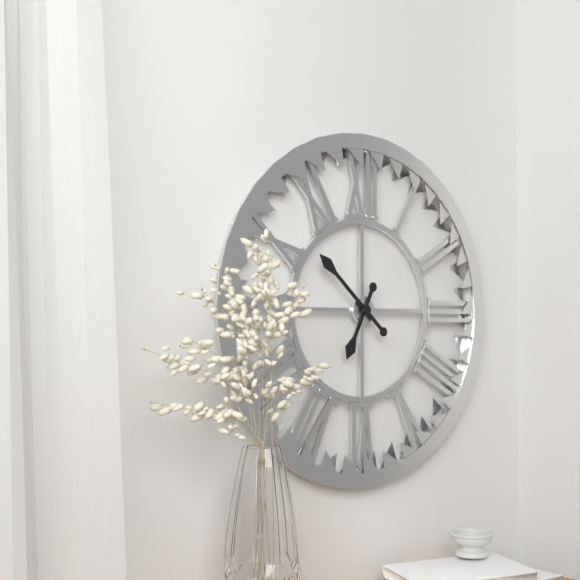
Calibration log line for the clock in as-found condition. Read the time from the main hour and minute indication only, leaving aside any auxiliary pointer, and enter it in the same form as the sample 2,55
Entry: 6,52
